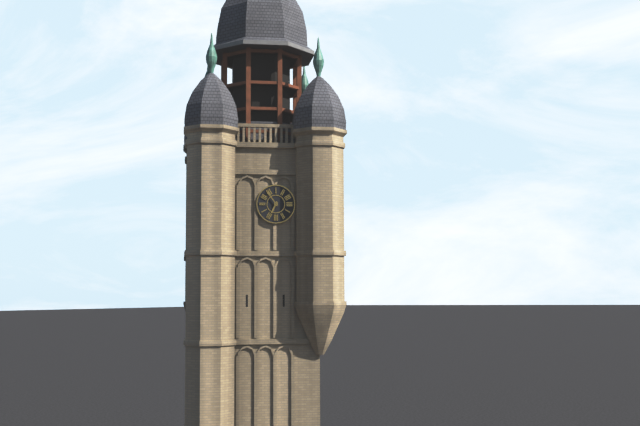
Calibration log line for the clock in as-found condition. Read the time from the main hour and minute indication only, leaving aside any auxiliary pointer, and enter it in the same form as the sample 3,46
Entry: 6,54
